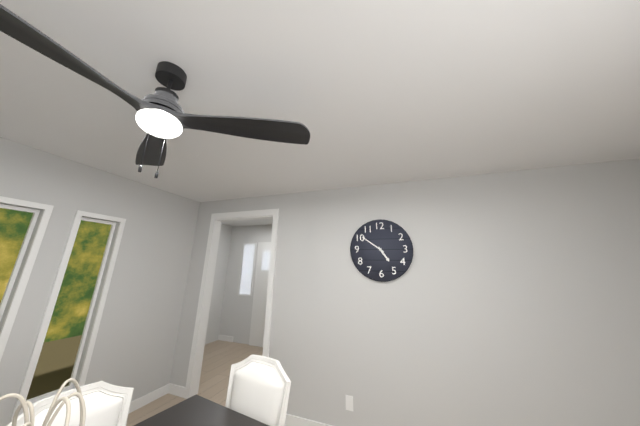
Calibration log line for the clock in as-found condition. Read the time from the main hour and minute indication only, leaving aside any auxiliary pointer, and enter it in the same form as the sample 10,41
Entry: 4,51
